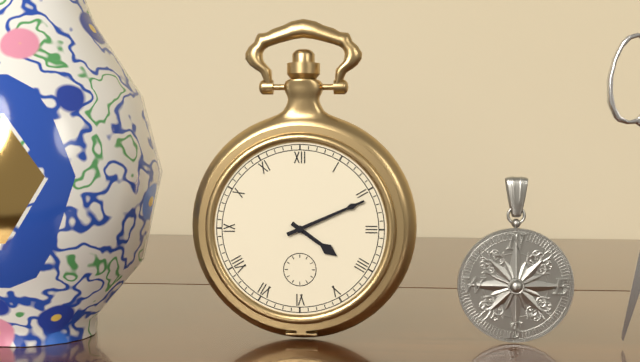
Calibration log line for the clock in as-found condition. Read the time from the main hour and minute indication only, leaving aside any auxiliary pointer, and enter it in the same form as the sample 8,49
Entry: 4,11
